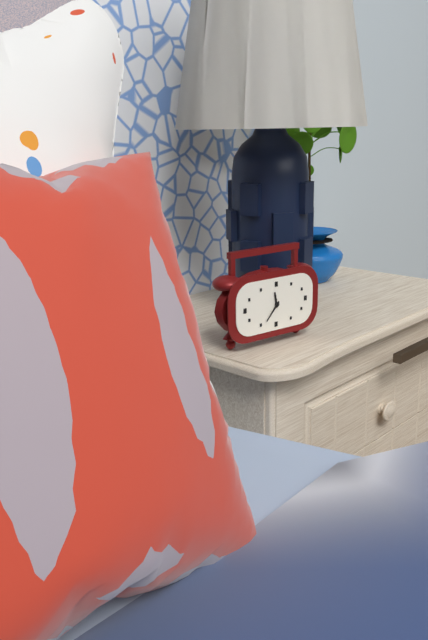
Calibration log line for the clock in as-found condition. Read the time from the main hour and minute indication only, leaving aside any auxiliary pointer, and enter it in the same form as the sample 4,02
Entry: 11,37
